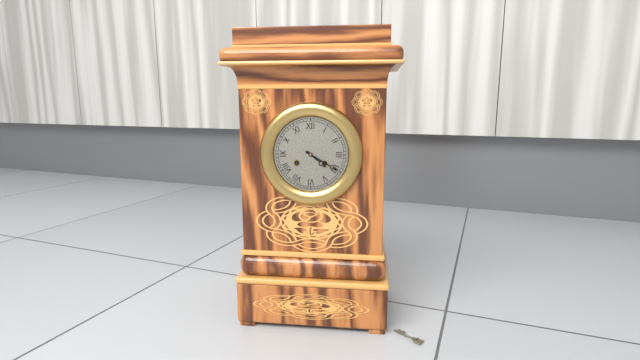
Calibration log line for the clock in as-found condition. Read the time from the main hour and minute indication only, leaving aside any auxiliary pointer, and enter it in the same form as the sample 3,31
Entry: 4,20
